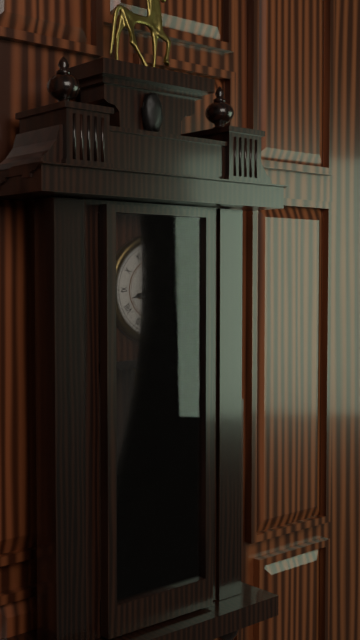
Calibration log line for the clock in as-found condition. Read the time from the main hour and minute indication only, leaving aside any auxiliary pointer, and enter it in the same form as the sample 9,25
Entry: 8,25
